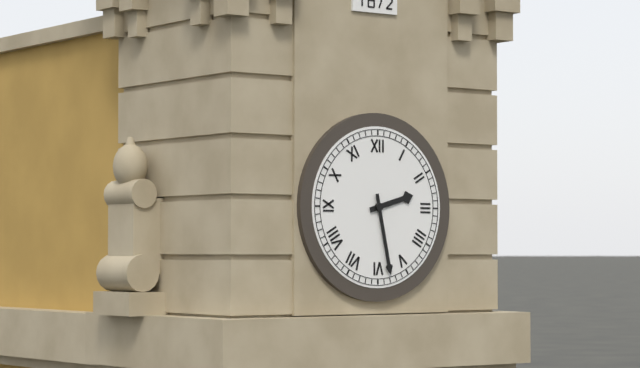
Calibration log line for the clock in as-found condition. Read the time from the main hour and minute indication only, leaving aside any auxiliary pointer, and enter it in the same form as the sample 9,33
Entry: 2,28
